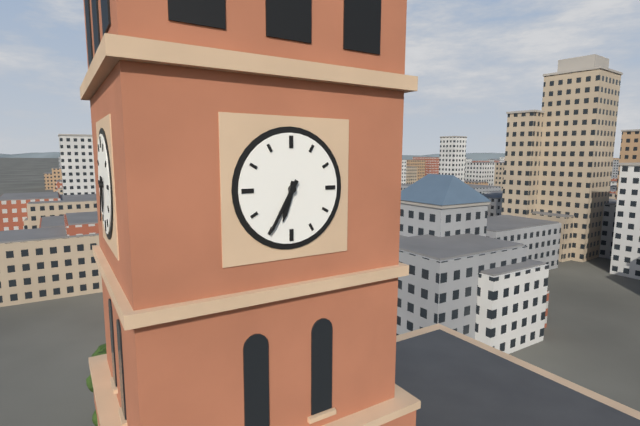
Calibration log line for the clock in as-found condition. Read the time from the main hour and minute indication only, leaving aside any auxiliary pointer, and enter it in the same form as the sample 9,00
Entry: 6,35
